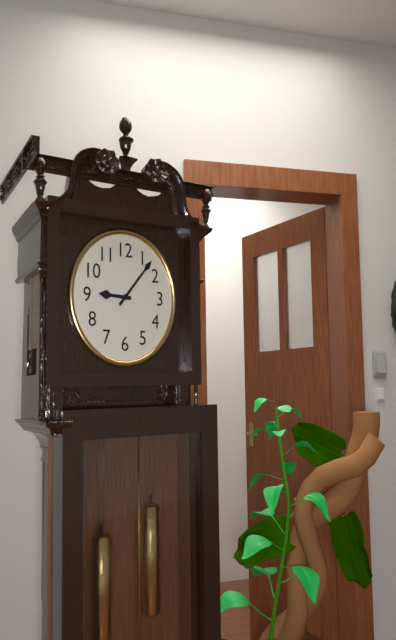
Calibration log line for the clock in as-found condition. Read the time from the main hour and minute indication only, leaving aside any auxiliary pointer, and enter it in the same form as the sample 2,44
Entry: 9,07
